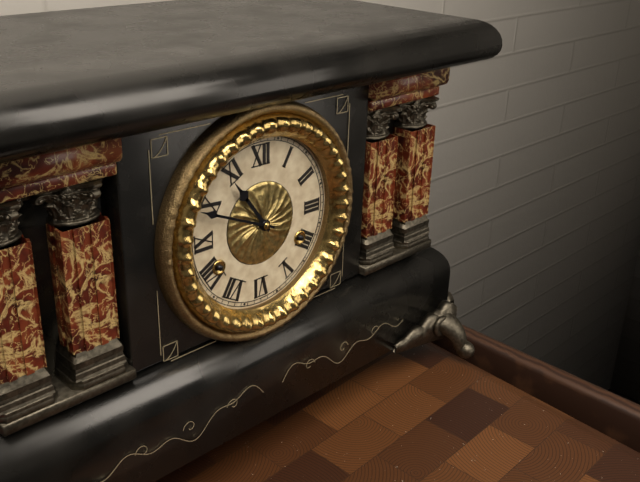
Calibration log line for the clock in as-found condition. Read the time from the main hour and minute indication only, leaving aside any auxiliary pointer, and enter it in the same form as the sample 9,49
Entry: 10,49
